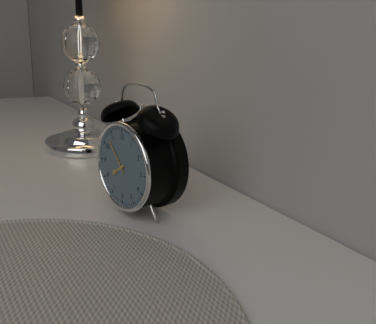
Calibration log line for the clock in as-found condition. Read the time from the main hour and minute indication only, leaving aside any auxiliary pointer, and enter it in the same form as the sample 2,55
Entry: 7,53
